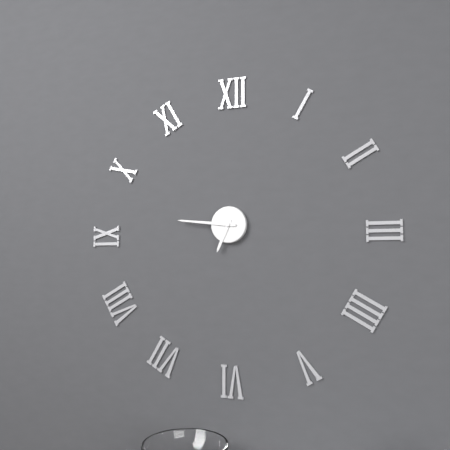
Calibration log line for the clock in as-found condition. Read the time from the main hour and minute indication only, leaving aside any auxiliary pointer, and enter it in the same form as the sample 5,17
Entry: 6,46
